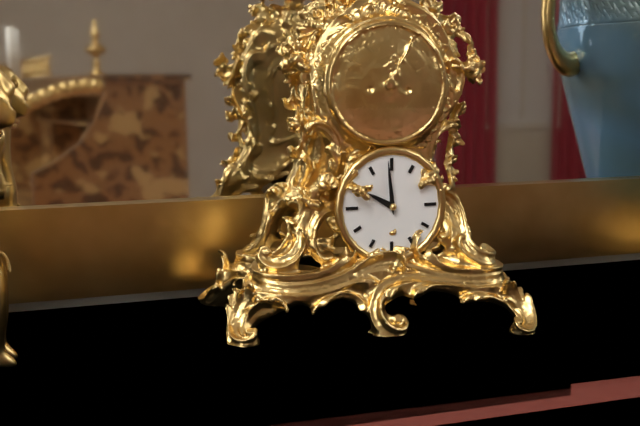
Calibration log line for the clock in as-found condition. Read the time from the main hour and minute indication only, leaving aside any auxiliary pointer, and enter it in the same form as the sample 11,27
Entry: 9,59
